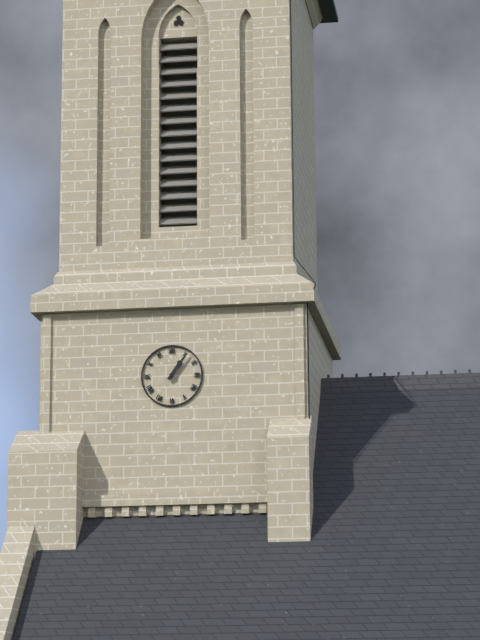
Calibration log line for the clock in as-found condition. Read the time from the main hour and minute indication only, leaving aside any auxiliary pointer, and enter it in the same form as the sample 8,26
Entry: 1,06
